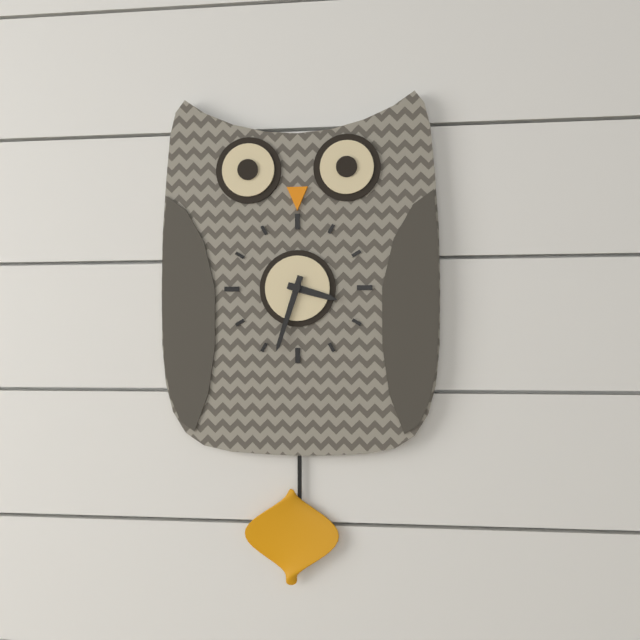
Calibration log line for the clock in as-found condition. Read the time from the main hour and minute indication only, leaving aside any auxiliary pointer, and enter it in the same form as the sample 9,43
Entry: 3,33
